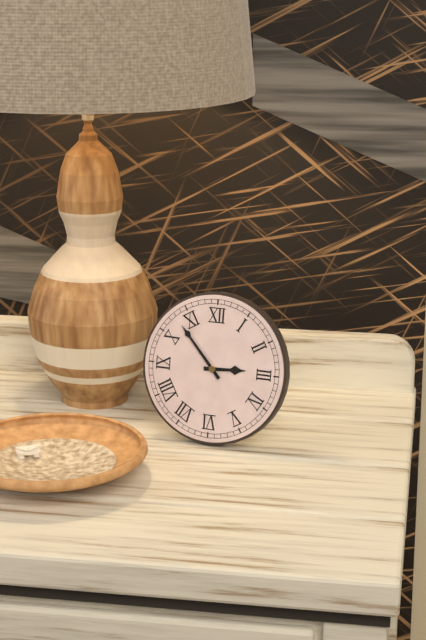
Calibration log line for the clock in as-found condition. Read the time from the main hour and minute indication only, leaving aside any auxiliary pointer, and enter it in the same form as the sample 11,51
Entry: 2,53
